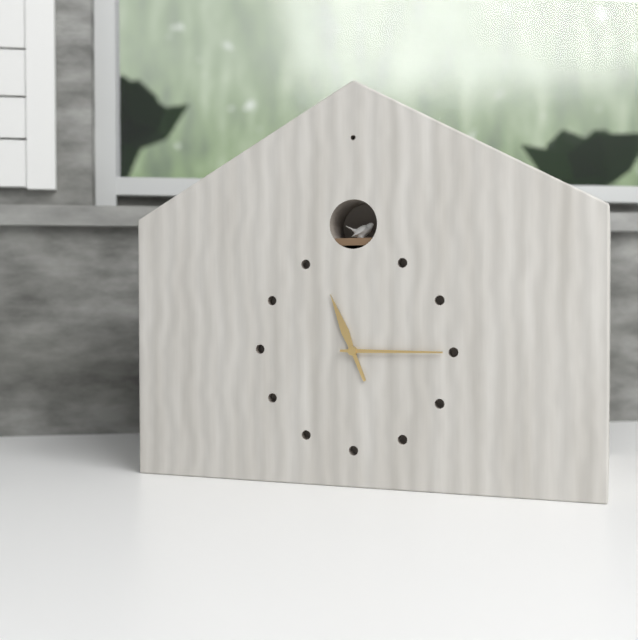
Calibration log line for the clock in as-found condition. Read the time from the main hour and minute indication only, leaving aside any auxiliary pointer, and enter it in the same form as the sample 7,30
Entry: 11,15
